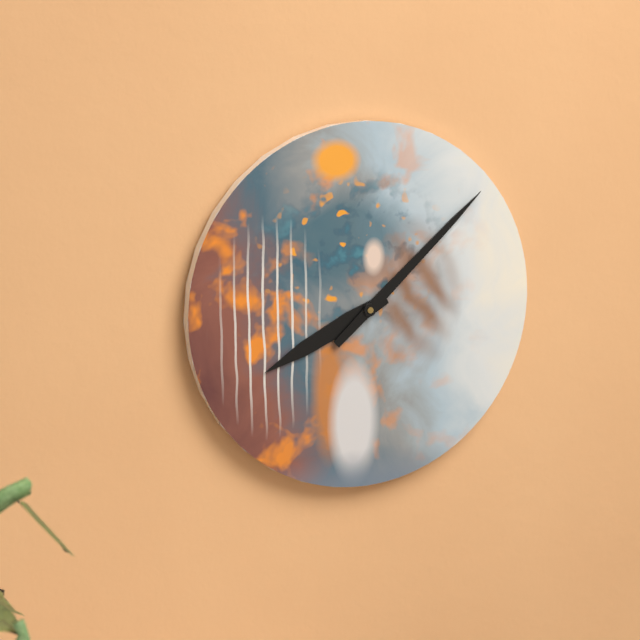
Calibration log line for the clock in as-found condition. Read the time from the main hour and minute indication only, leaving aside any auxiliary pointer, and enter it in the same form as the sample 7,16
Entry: 8,08
